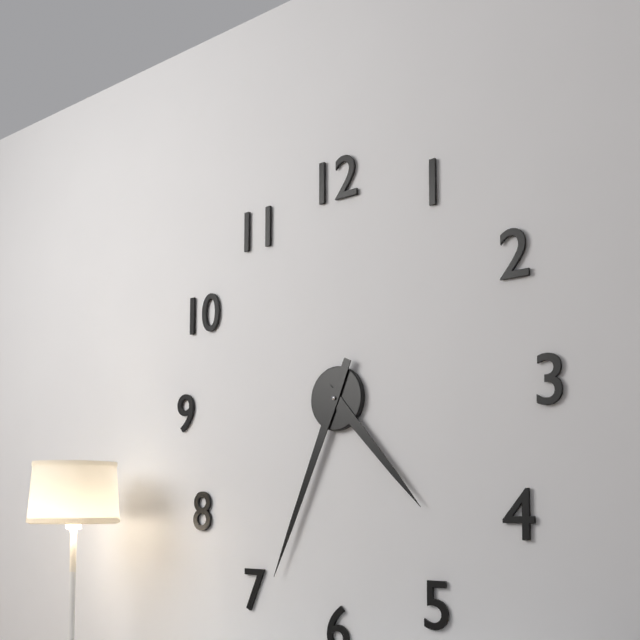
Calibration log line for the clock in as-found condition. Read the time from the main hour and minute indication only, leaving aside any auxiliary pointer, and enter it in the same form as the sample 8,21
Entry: 4,34
